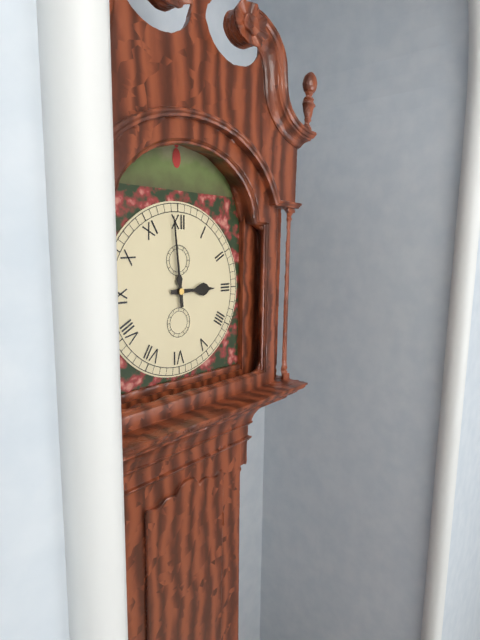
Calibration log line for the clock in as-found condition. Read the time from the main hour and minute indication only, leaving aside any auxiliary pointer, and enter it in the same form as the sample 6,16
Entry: 2,59
